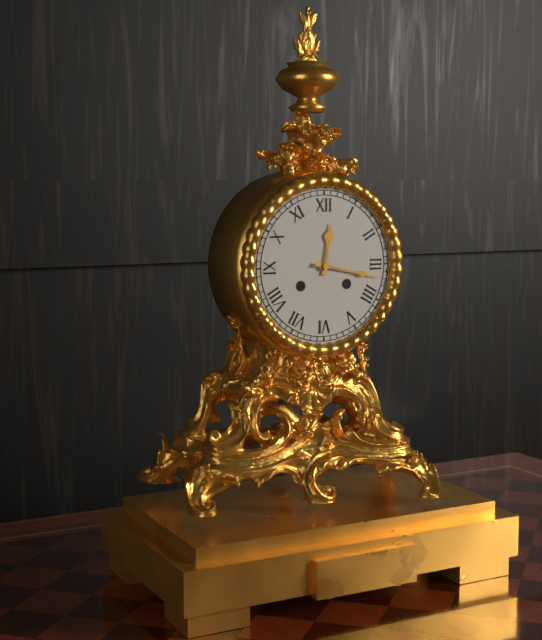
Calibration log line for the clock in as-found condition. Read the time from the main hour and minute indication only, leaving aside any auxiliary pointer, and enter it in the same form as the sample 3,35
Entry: 12,17
